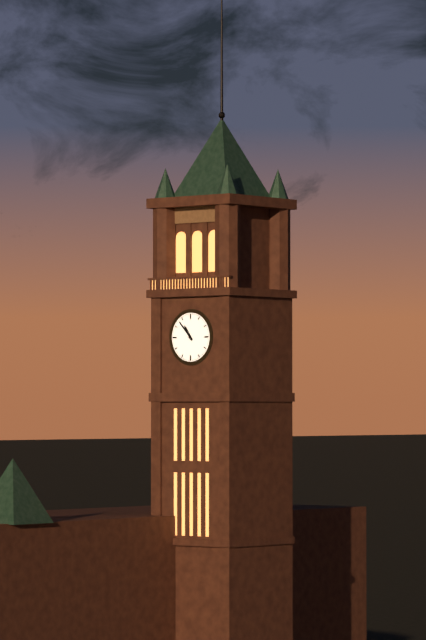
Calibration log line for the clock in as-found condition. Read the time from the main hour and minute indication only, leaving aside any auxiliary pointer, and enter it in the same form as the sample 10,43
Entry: 10,53
